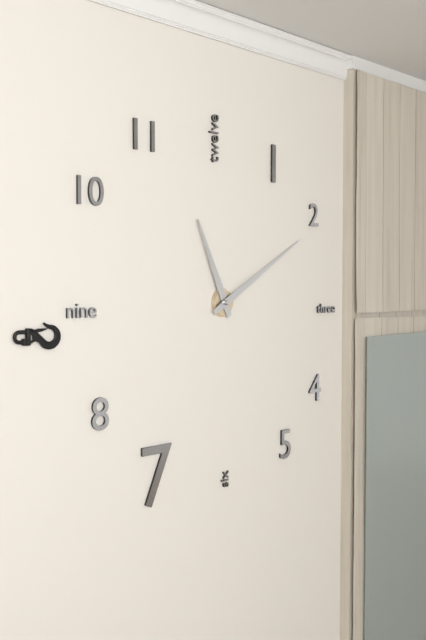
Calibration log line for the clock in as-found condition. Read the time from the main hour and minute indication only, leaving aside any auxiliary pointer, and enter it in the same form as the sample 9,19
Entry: 11,10
